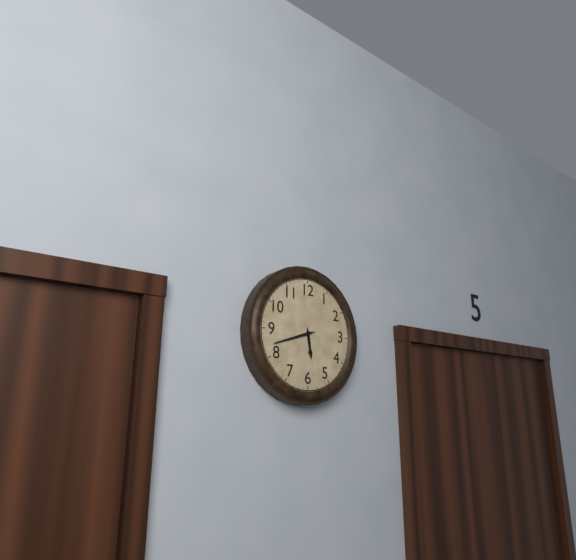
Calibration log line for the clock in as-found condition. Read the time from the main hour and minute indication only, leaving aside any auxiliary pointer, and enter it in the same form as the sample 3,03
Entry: 5,42
